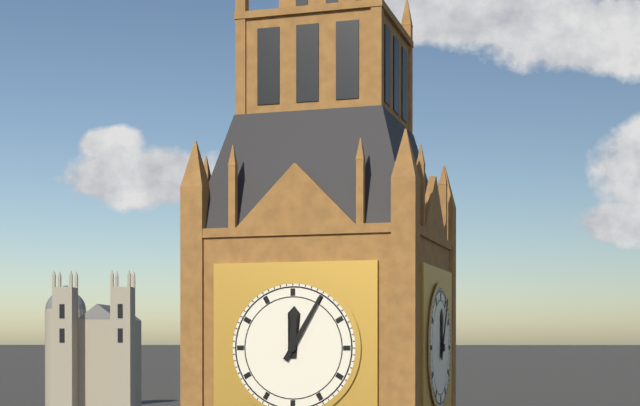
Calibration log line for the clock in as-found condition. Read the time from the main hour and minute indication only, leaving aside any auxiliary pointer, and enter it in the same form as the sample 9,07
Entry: 12,05
